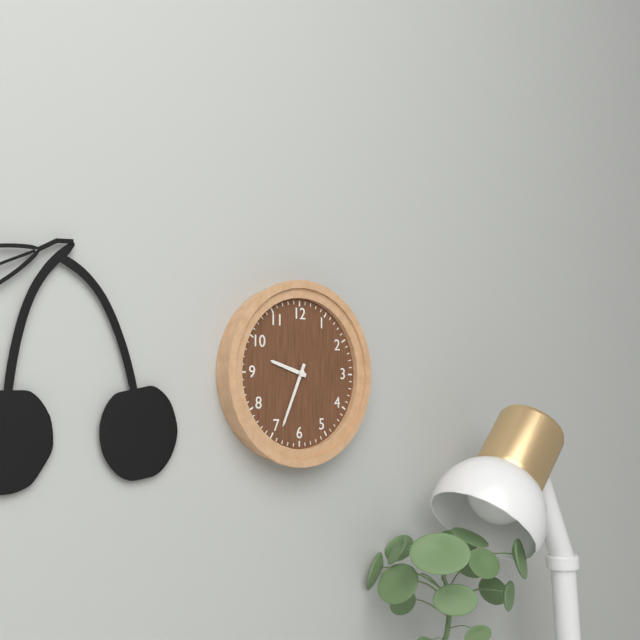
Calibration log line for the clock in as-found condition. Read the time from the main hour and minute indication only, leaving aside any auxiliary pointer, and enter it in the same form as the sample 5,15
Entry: 9,34
